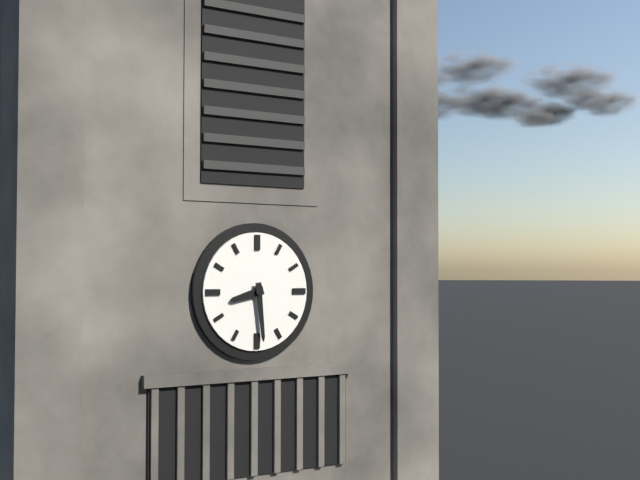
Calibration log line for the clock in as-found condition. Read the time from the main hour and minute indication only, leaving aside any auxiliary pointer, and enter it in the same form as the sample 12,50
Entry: 8,29
